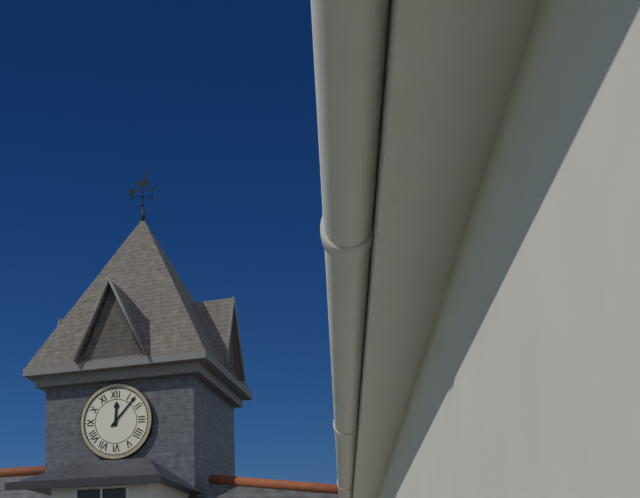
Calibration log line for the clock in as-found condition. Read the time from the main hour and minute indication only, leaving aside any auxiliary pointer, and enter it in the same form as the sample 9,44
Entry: 12,07
